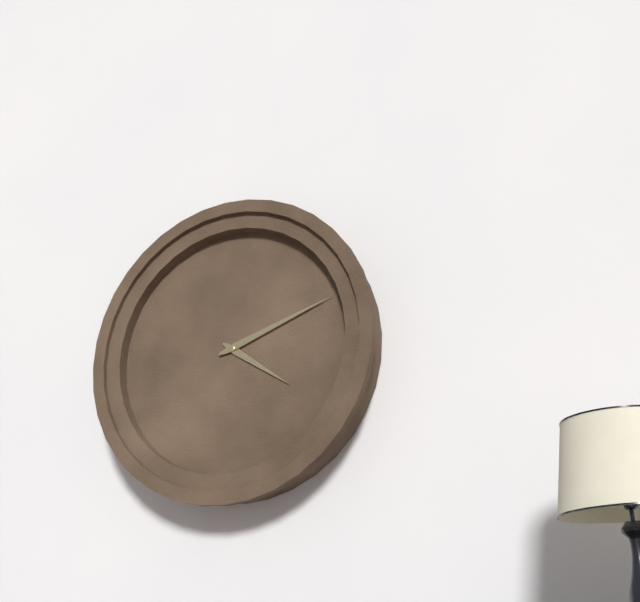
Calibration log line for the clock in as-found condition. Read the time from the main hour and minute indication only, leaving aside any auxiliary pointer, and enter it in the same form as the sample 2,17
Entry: 4,12
